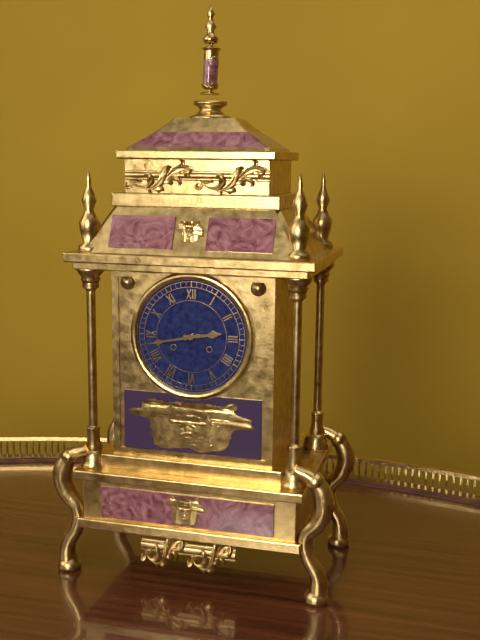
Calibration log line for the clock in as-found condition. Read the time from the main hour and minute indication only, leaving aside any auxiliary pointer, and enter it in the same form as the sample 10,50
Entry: 2,43
